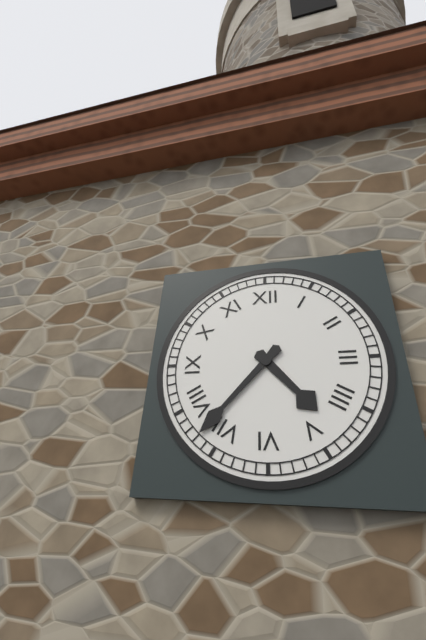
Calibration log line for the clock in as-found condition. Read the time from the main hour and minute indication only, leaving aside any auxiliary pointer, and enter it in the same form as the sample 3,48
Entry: 4,37
